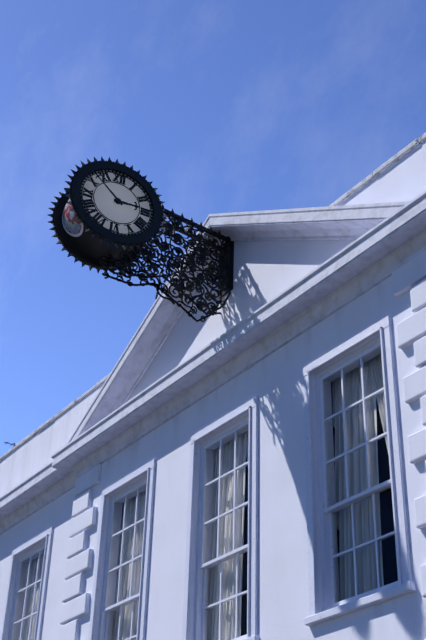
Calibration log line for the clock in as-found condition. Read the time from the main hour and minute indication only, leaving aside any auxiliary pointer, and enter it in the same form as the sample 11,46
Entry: 2,52
